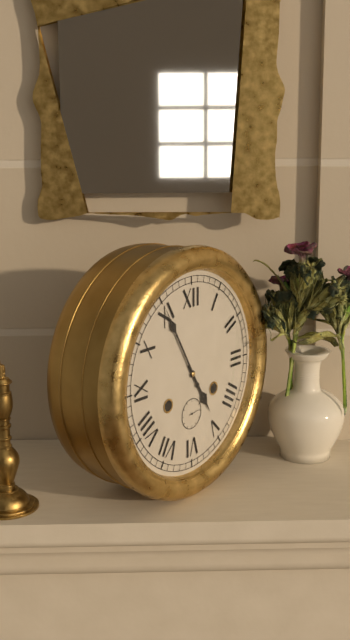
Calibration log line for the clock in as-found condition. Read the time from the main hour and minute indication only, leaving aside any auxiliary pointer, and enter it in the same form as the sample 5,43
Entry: 4,55
